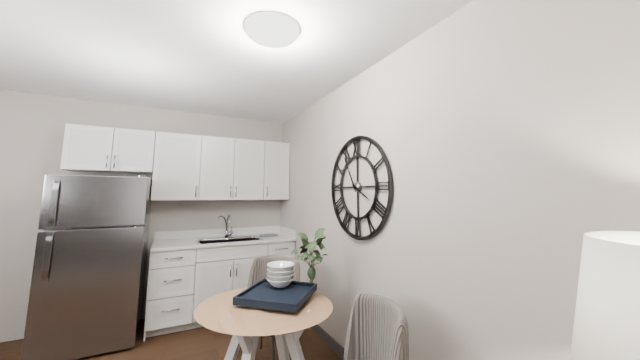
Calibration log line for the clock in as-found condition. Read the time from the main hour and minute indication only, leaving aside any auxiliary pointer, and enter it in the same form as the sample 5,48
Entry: 3,55
